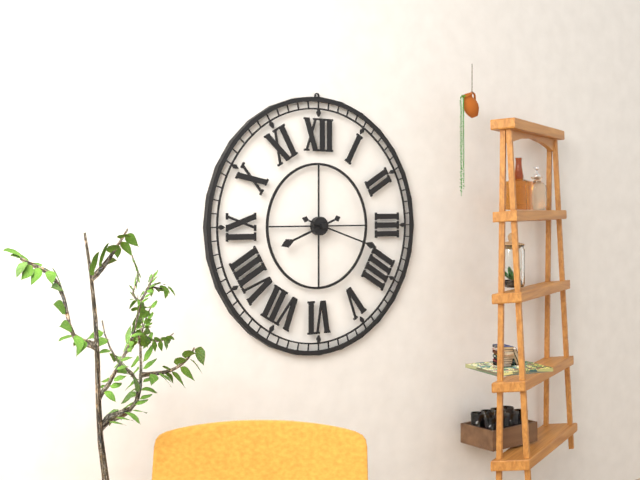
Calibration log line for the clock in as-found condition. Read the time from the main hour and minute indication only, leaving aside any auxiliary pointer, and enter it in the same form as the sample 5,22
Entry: 8,18
